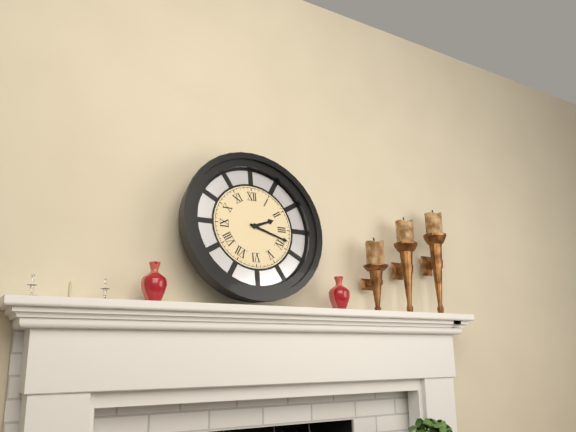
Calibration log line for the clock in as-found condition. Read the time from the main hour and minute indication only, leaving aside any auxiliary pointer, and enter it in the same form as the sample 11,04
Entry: 2,18
